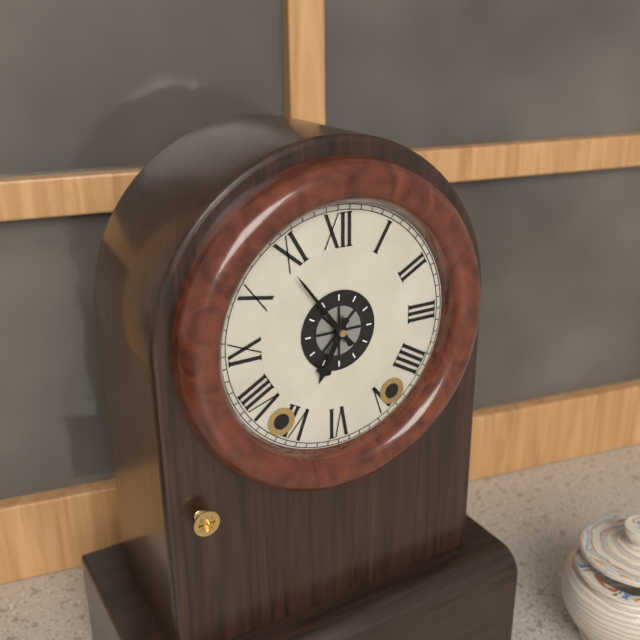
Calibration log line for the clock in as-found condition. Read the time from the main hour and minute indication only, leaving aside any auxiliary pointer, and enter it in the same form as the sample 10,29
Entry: 6,54
